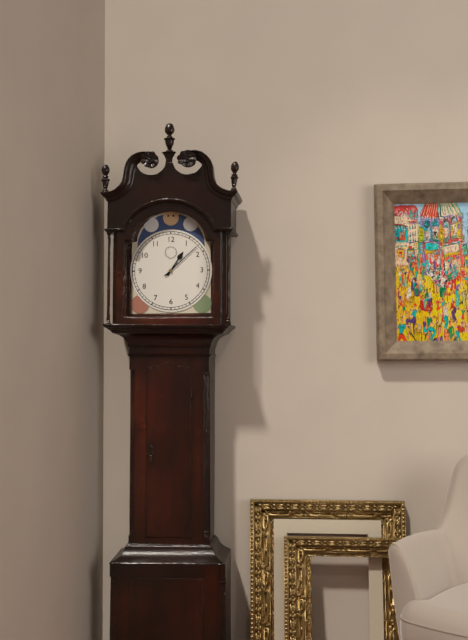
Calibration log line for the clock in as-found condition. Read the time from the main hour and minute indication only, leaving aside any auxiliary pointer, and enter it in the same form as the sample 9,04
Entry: 1,08
